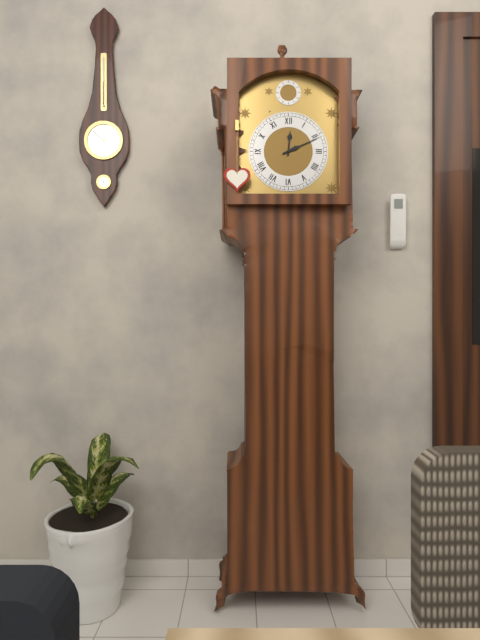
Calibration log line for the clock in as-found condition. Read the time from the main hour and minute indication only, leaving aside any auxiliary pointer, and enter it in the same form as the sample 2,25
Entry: 12,11
